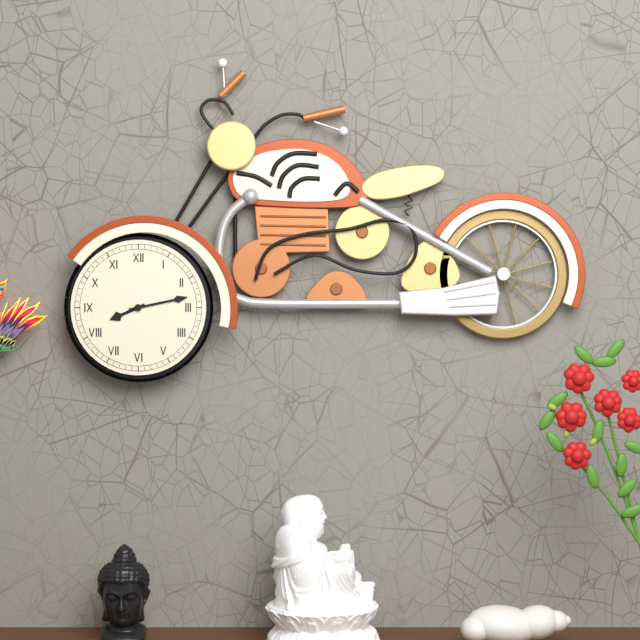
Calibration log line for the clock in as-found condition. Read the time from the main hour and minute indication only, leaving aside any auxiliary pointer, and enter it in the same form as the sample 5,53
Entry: 8,13
